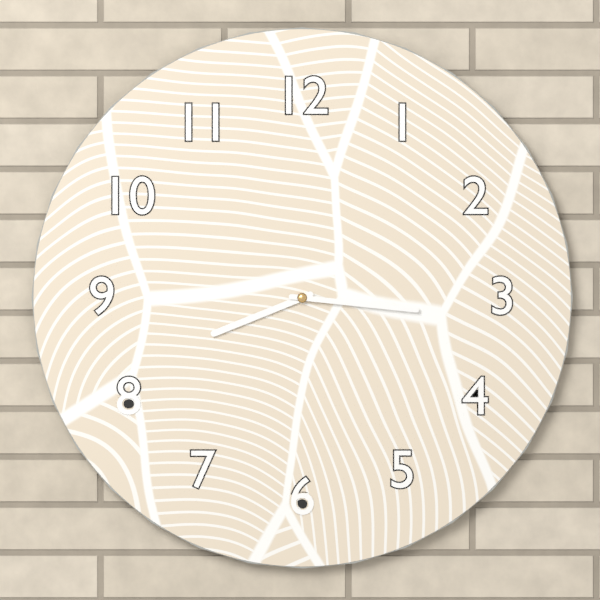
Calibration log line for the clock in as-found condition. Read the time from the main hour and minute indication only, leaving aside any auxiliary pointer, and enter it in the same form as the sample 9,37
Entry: 8,16
